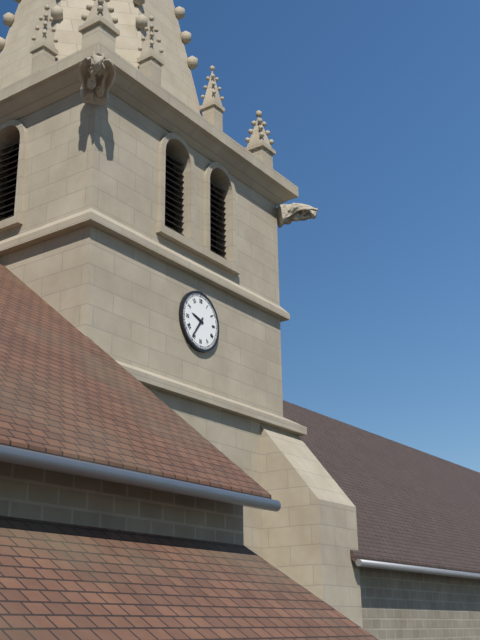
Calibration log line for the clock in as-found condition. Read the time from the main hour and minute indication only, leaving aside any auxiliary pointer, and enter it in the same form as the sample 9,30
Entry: 9,36
